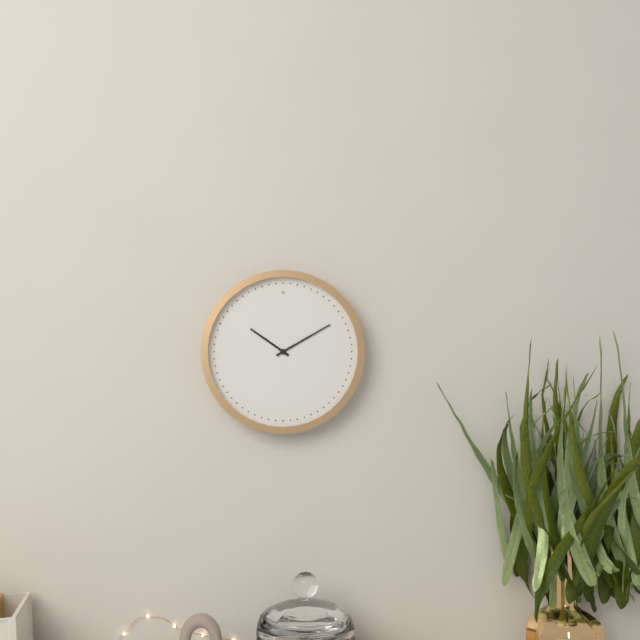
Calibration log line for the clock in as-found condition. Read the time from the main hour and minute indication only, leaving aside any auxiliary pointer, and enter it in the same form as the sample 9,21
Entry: 10,10
